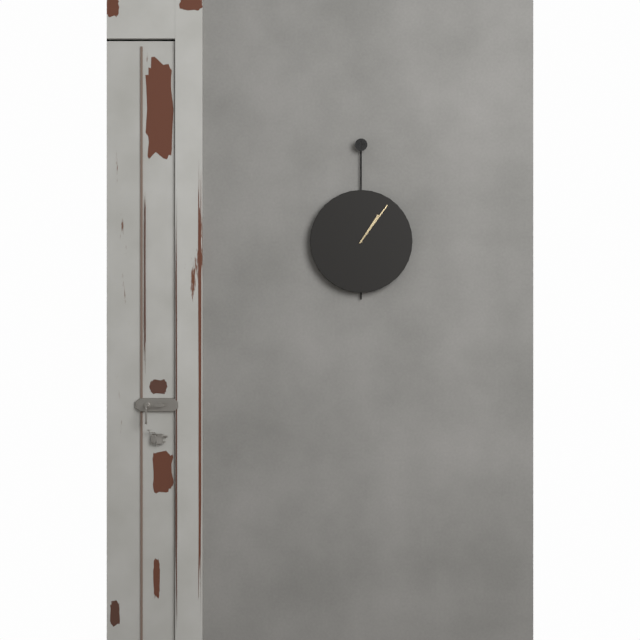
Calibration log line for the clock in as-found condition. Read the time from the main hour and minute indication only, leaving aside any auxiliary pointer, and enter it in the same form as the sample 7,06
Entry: 1,06
